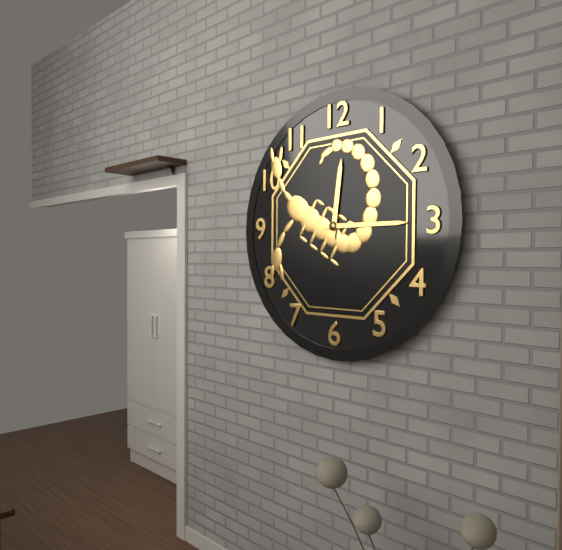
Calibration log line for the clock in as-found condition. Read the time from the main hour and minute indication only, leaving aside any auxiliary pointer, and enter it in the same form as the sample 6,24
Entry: 12,15
